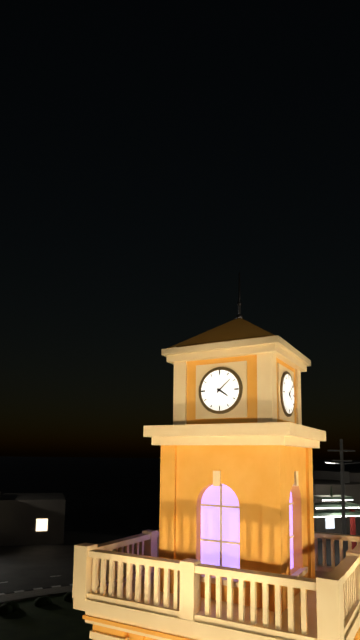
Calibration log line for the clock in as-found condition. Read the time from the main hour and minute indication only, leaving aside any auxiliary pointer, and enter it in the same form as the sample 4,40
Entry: 4,08
